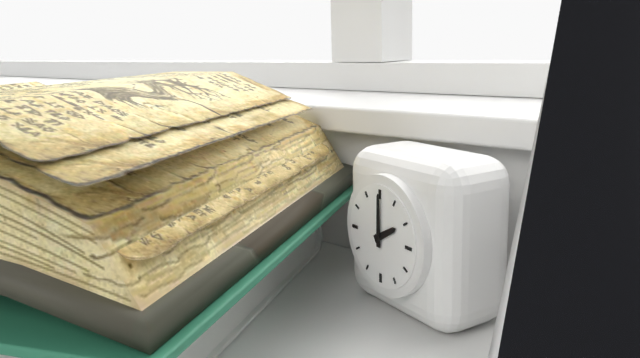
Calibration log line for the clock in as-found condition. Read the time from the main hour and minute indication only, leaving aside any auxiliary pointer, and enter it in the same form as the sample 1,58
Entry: 2,00
